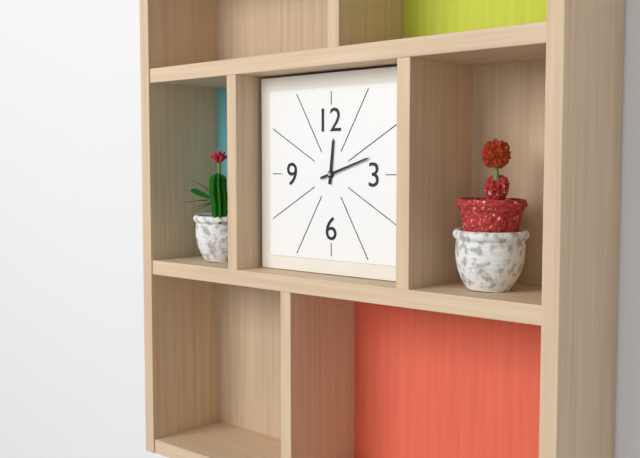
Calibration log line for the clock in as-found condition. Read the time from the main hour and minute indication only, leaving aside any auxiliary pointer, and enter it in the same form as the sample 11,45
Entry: 12,12
